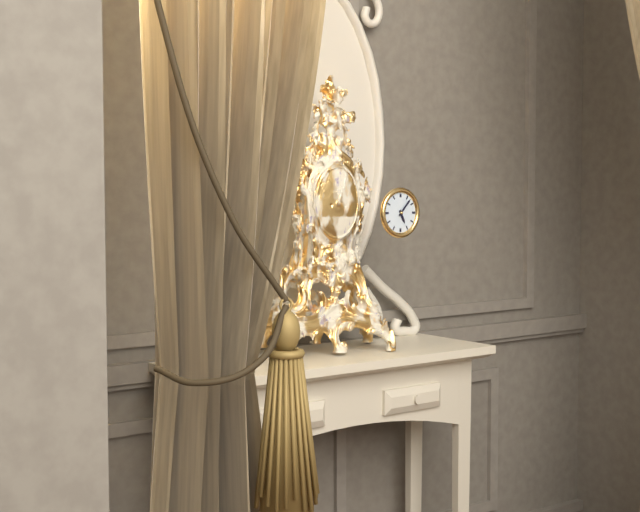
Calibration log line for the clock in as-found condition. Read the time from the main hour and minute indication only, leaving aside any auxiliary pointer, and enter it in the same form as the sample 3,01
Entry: 5,07
